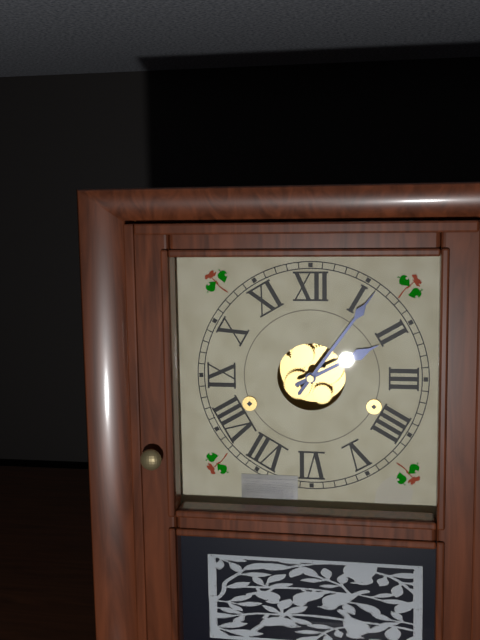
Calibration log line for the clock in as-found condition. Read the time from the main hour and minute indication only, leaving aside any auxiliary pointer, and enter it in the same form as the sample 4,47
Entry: 2,06
